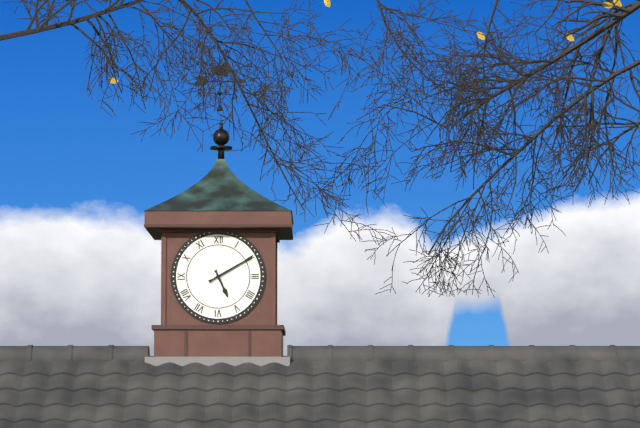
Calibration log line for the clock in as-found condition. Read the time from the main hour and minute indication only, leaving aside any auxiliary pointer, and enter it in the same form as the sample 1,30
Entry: 5,10
